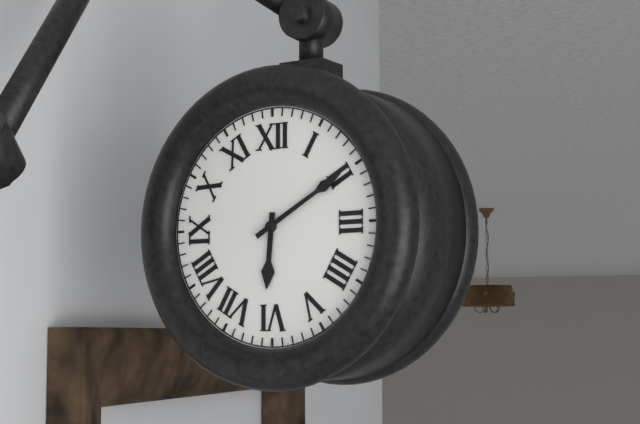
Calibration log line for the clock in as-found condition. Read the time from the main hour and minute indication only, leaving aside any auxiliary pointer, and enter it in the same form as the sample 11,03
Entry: 6,10
